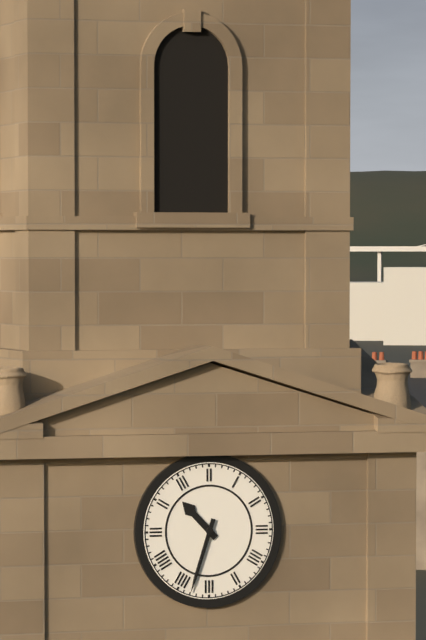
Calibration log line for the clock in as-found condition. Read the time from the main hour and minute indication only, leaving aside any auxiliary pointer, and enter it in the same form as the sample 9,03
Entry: 10,33
